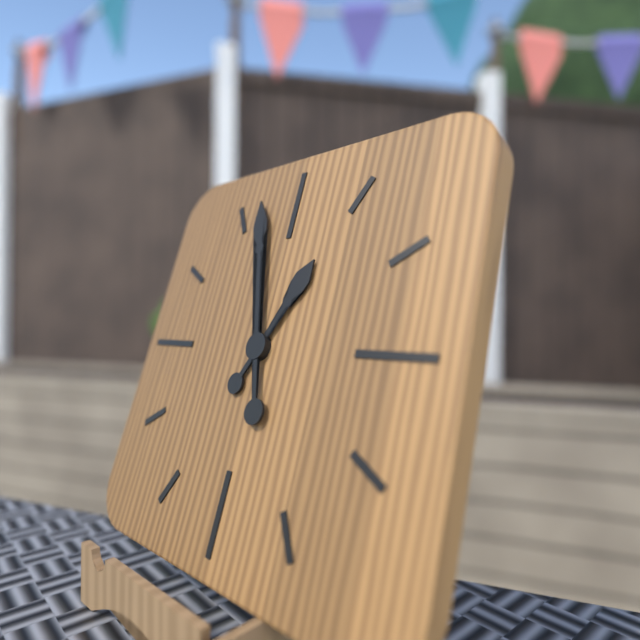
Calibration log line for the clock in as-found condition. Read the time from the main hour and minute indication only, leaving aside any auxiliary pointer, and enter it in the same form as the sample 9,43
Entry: 12,57
